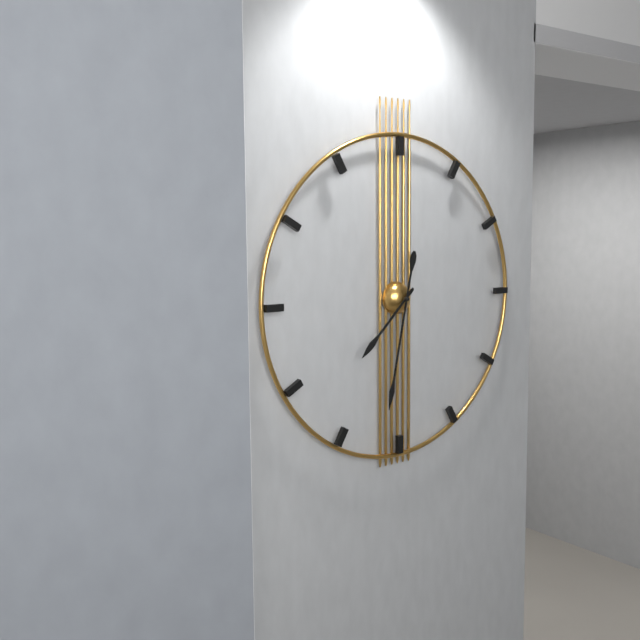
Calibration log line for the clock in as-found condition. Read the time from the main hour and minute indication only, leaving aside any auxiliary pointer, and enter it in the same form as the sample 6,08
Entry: 7,32
